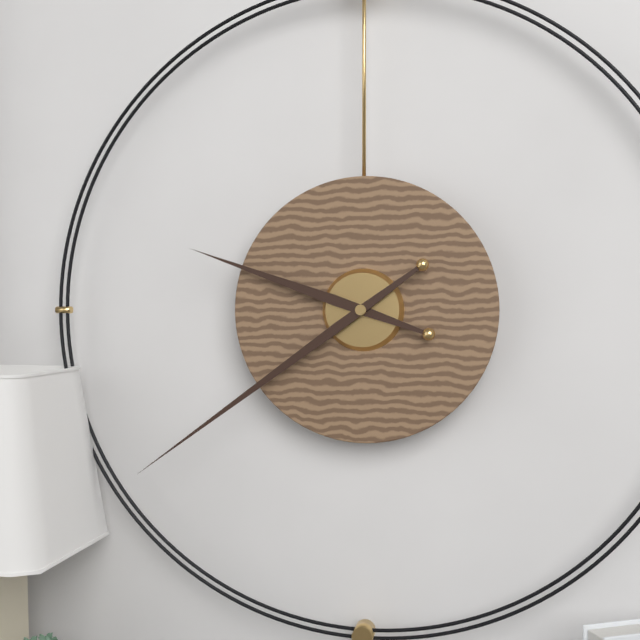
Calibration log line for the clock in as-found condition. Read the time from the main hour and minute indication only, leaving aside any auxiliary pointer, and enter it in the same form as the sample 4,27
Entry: 9,39
